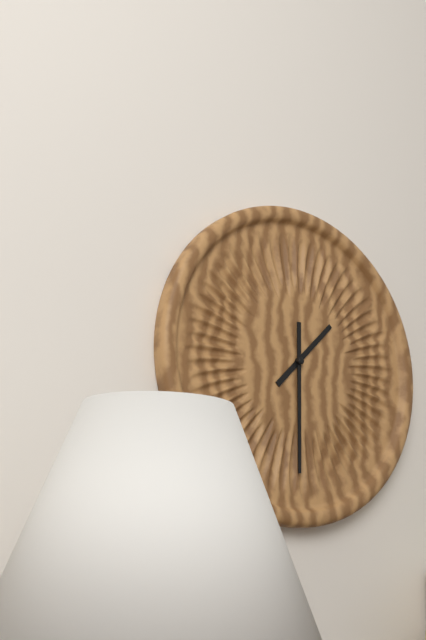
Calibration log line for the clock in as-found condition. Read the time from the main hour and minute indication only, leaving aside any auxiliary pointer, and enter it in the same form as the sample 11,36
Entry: 1,30
